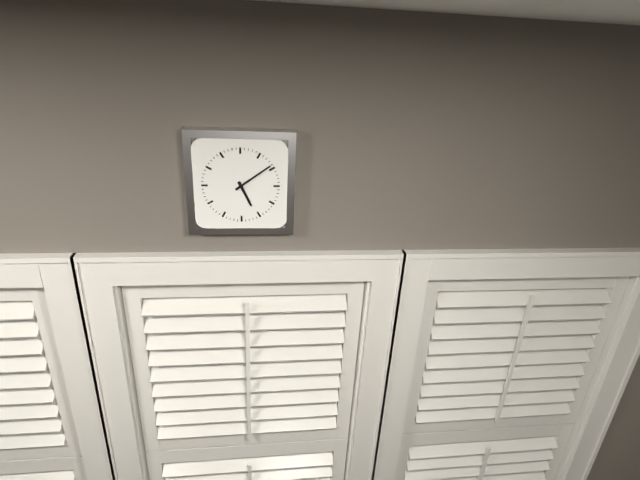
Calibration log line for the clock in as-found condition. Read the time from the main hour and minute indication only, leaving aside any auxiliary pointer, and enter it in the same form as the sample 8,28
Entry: 5,09
